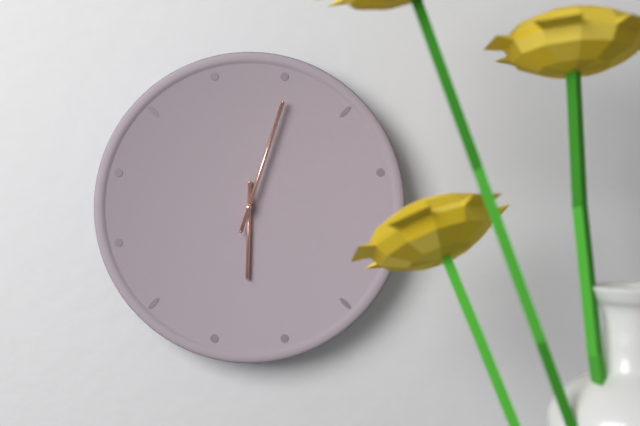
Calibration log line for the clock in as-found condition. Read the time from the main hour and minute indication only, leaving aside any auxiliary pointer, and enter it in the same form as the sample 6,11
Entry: 6,03
